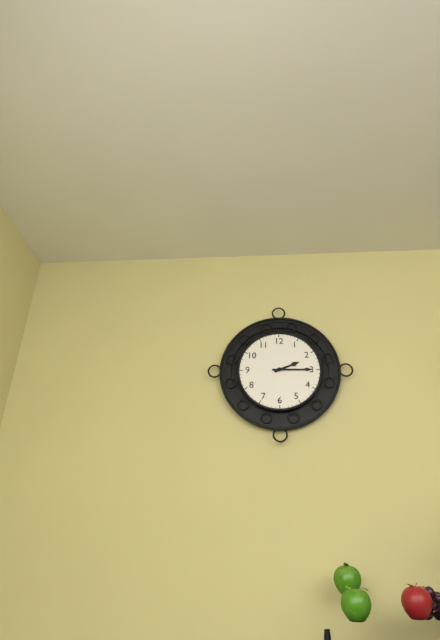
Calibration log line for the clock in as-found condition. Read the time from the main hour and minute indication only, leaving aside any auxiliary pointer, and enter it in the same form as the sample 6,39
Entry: 2,15
